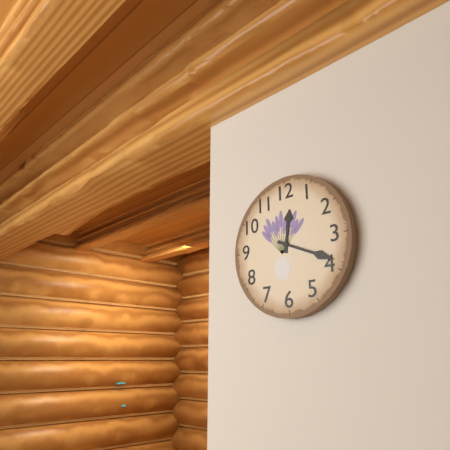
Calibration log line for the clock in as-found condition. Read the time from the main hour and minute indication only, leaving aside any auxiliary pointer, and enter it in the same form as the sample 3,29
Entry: 12,19
